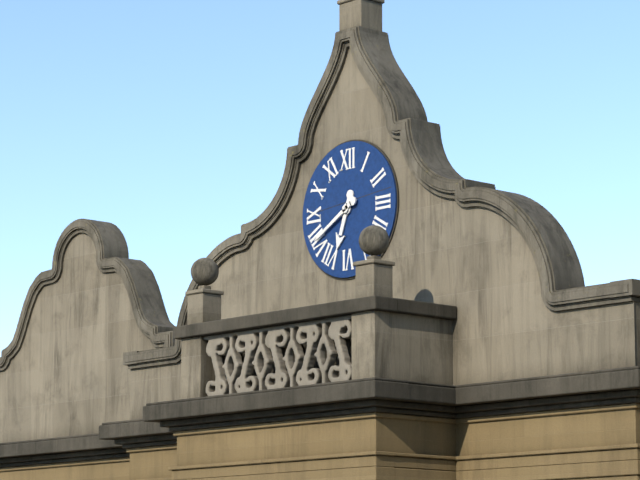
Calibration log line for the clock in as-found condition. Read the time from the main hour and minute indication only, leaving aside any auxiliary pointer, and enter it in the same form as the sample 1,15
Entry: 6,40
